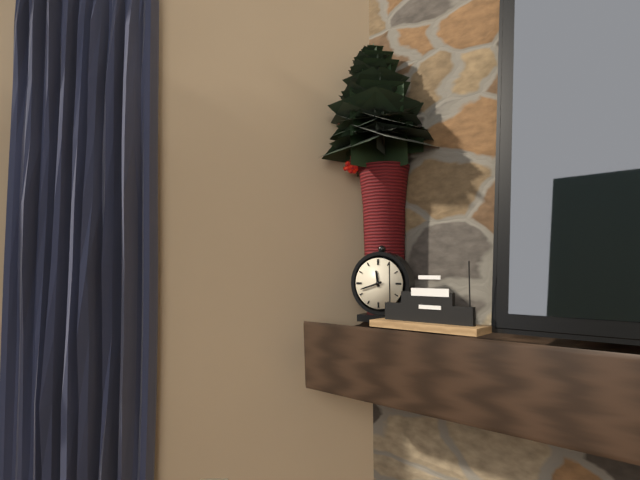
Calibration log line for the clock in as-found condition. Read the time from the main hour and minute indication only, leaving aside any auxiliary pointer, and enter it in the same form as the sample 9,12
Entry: 11,42
